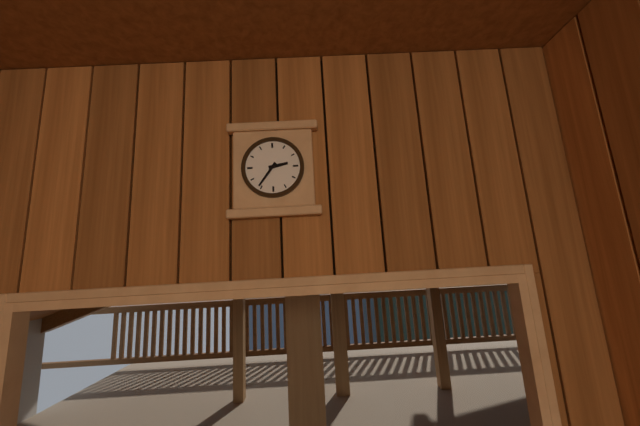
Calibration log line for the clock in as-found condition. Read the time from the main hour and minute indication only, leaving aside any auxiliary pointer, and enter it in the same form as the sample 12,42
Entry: 2,36
